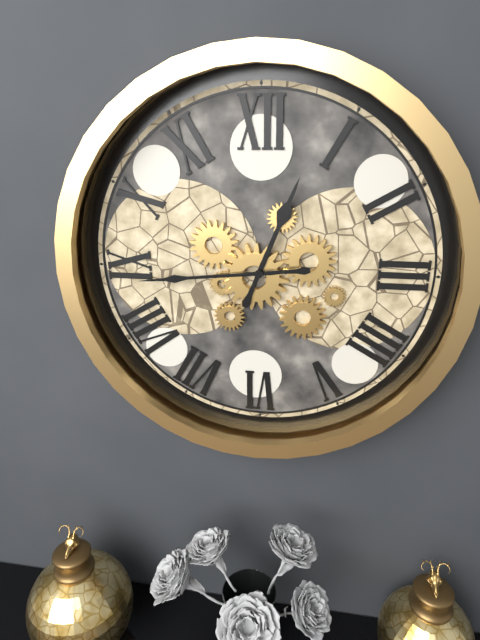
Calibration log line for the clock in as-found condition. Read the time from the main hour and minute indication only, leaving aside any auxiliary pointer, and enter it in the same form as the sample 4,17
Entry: 12,44
